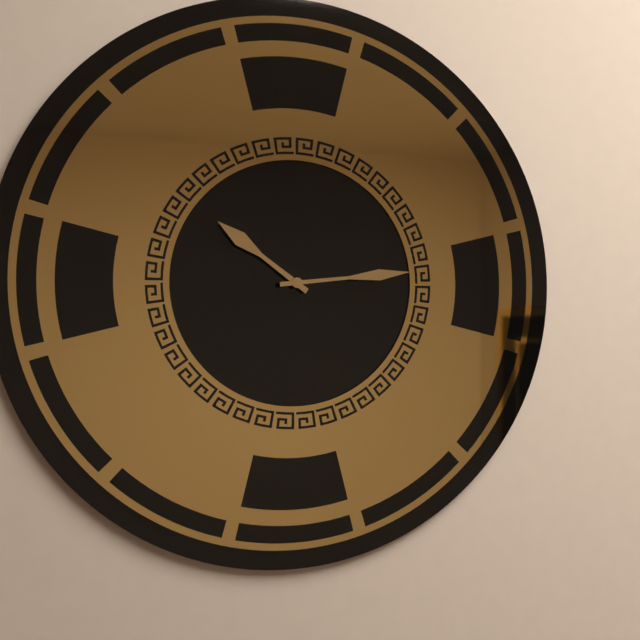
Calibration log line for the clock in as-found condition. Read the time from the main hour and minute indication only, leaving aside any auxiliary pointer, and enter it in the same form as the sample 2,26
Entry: 10,14
